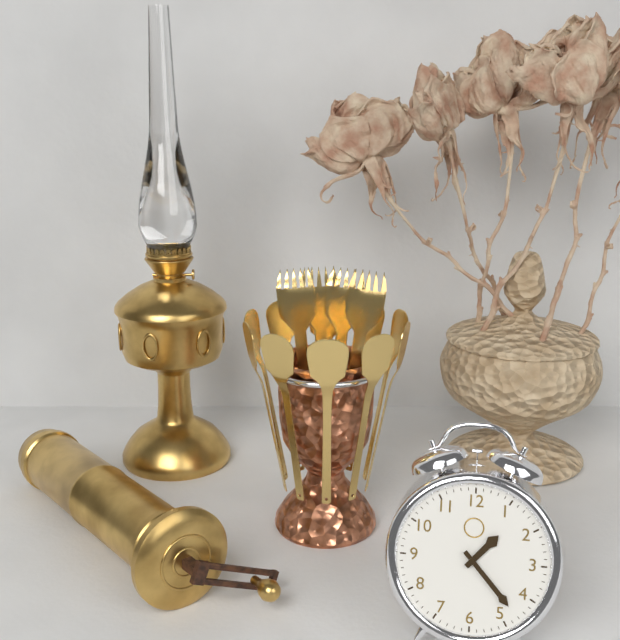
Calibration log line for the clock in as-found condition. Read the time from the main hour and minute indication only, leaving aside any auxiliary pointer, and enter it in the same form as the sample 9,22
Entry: 1,23
